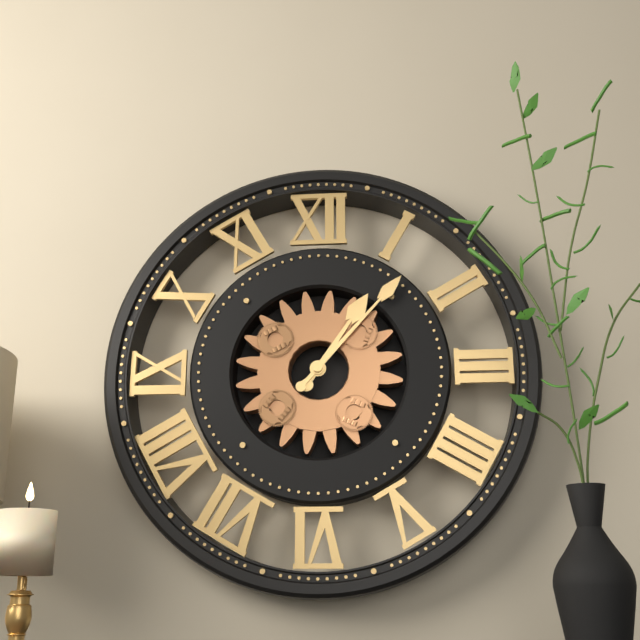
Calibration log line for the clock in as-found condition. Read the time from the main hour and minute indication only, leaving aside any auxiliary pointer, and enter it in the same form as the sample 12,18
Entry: 1,07
